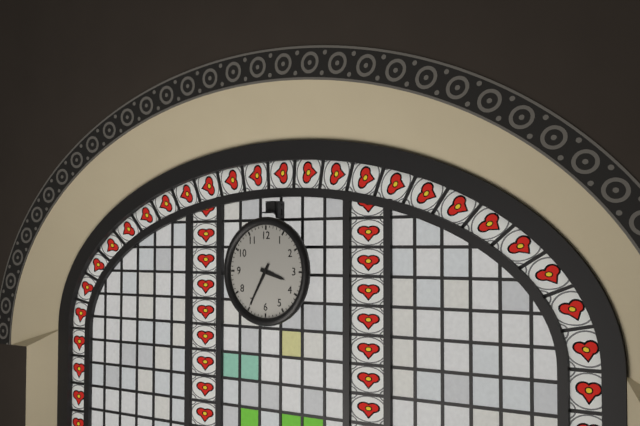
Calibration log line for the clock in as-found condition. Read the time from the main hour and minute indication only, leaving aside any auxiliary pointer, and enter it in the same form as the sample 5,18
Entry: 3,35
